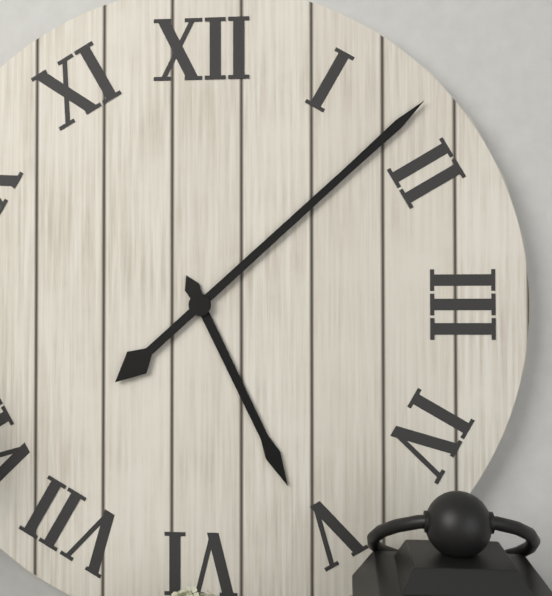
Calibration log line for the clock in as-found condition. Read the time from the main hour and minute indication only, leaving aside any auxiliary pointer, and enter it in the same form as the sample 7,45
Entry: 5,08
